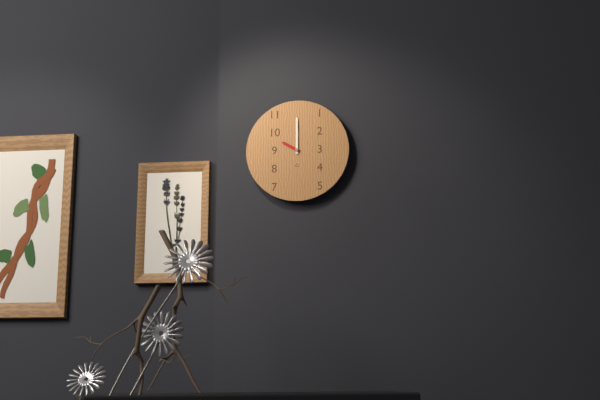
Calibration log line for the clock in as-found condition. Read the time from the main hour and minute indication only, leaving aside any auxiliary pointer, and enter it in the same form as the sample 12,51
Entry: 10,00
